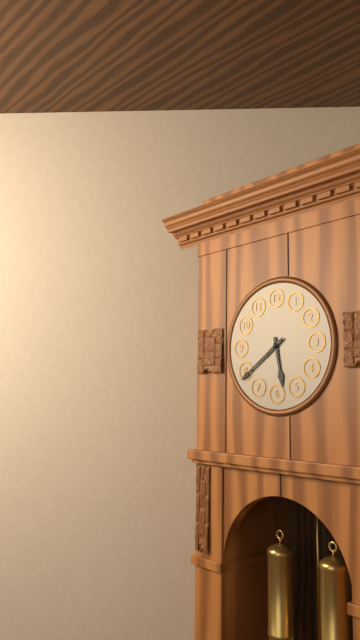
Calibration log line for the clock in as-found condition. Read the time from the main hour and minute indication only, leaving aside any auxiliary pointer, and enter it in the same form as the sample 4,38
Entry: 5,39
